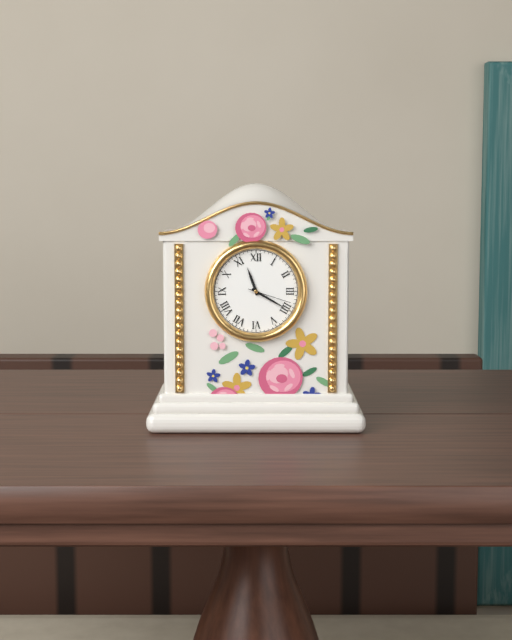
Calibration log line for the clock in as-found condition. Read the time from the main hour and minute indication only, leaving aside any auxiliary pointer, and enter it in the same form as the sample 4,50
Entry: 11,20
